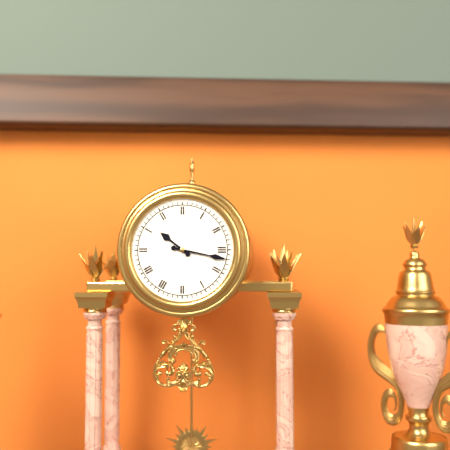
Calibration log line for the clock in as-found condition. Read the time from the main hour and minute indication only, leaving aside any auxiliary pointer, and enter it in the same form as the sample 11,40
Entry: 10,17
